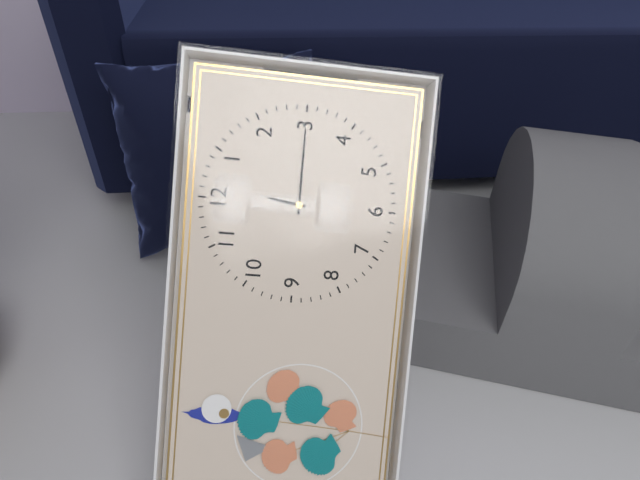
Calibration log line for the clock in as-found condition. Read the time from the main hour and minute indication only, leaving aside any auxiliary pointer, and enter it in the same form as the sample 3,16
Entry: 12,15
